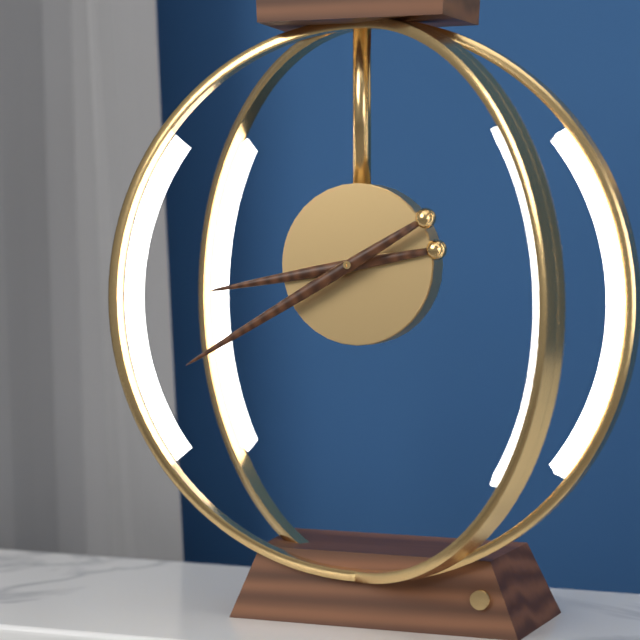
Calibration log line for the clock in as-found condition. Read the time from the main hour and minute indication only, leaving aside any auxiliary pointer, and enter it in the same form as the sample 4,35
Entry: 8,40
